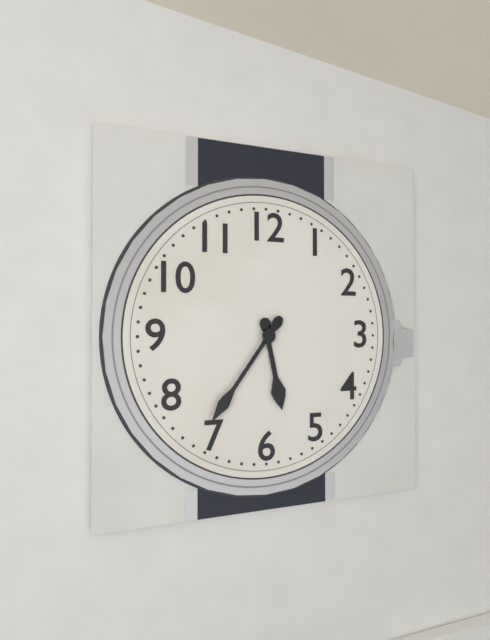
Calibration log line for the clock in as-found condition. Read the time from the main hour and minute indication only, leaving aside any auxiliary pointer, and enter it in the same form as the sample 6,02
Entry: 5,36
